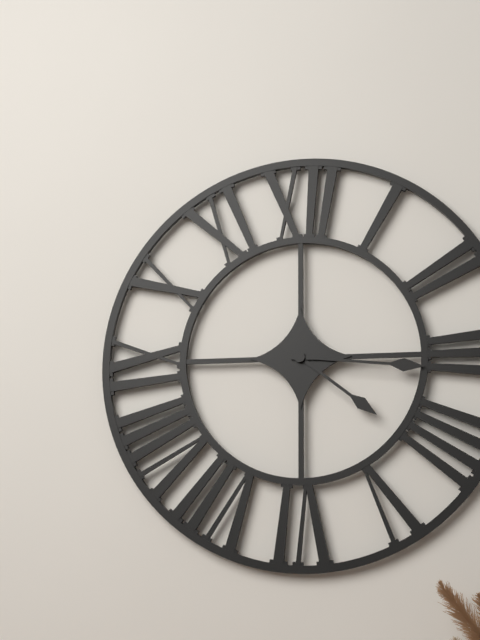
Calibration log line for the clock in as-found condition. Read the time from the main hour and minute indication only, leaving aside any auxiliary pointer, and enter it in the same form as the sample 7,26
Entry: 4,16
